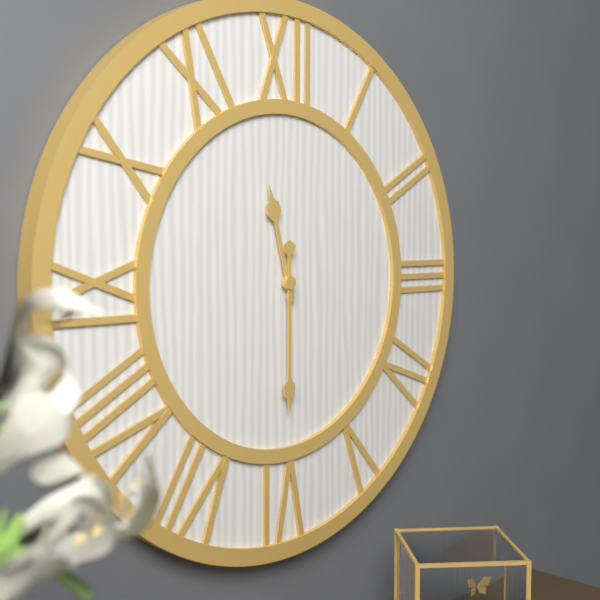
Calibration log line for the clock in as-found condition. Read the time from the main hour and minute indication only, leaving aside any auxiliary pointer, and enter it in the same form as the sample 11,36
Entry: 11,30
